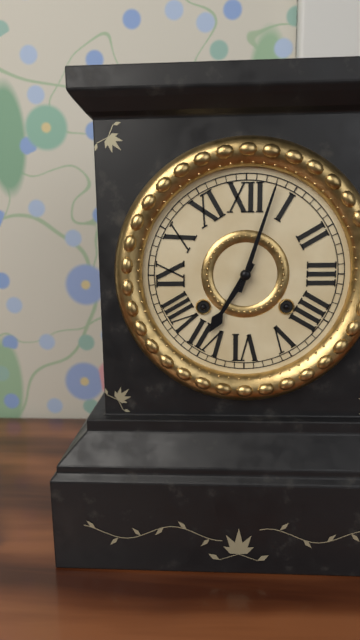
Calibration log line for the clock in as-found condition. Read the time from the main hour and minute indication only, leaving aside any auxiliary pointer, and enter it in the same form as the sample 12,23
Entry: 7,03
